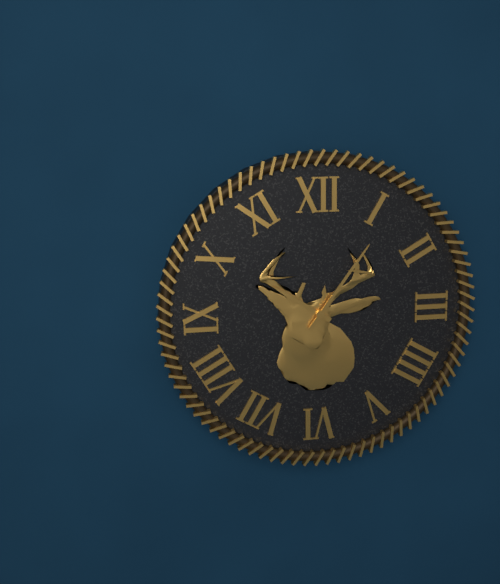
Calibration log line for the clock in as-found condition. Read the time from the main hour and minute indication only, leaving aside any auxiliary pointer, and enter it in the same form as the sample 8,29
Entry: 10,06
